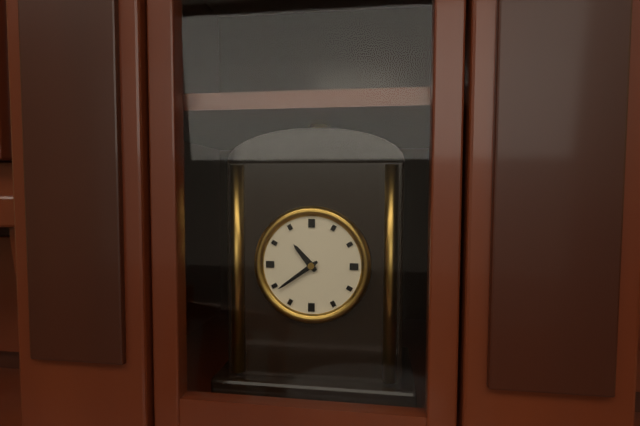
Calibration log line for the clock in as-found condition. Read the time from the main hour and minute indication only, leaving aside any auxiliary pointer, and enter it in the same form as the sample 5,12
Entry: 10,39
